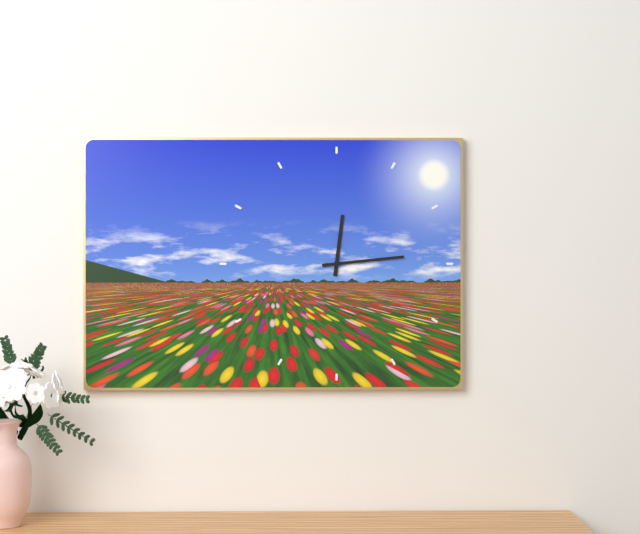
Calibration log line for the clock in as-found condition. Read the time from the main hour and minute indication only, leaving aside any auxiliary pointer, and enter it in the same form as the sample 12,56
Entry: 12,14
